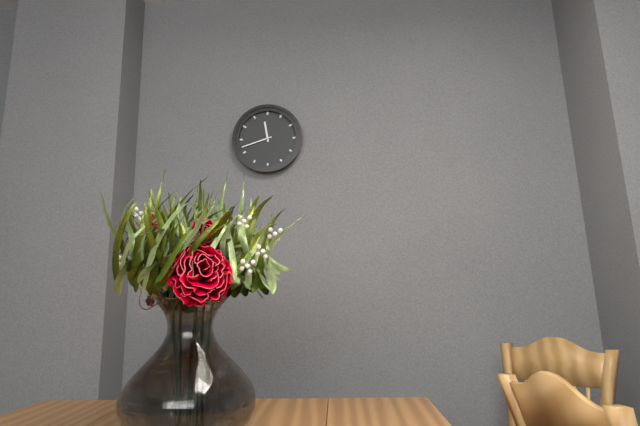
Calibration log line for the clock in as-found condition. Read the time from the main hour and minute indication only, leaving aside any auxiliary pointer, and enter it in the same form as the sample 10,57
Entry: 11,42
